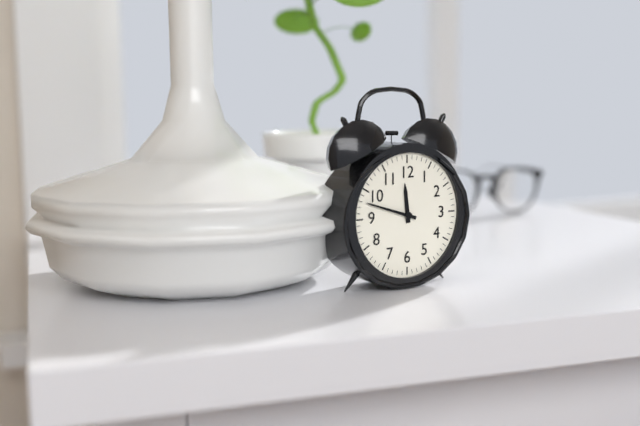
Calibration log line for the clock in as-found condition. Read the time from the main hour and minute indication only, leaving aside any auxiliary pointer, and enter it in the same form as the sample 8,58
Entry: 11,48
